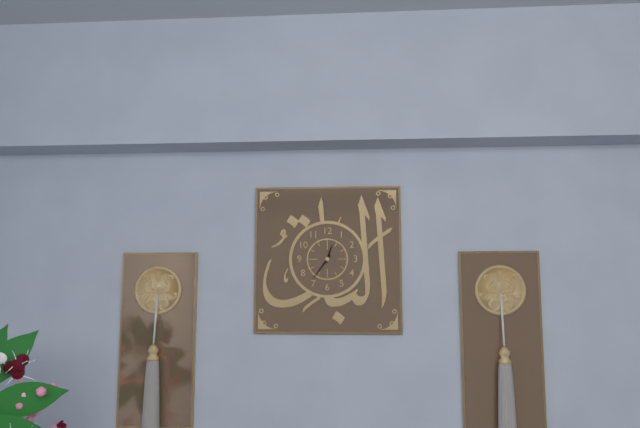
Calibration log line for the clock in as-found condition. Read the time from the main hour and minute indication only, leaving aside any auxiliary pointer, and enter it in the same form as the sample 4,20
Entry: 12,36
